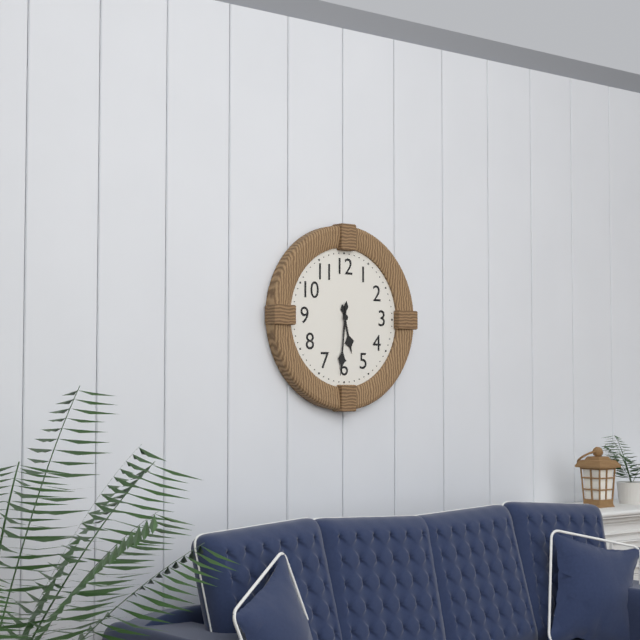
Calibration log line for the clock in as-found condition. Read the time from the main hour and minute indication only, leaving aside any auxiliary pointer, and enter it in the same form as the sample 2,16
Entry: 5,31
